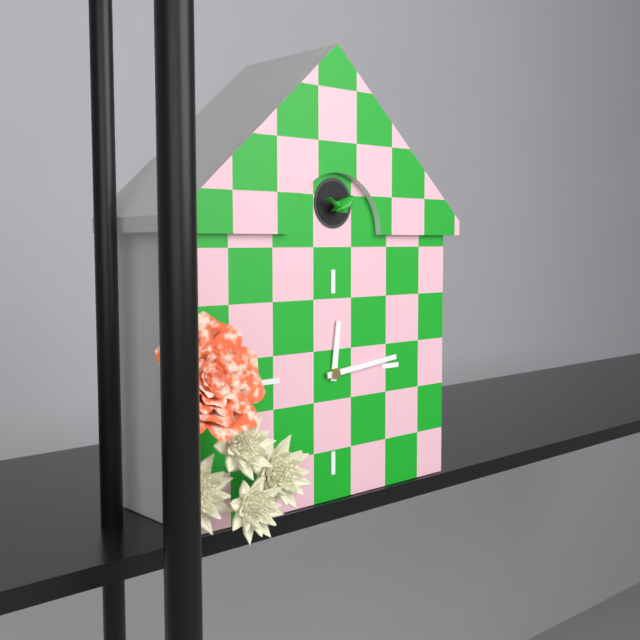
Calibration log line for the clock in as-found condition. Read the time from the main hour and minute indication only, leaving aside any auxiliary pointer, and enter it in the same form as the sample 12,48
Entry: 12,14
